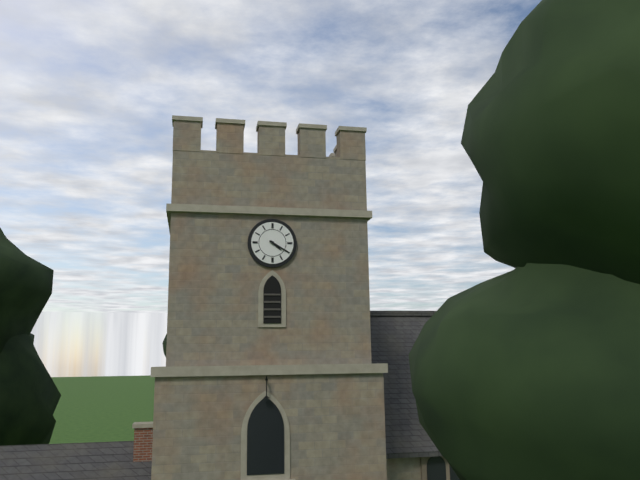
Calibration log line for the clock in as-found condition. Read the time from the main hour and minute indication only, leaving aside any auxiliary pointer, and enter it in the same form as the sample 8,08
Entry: 4,20
